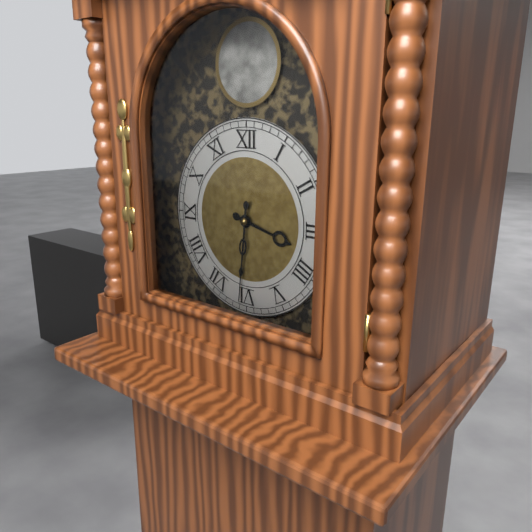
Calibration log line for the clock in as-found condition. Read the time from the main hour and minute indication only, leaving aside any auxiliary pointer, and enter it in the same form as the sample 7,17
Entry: 3,31
